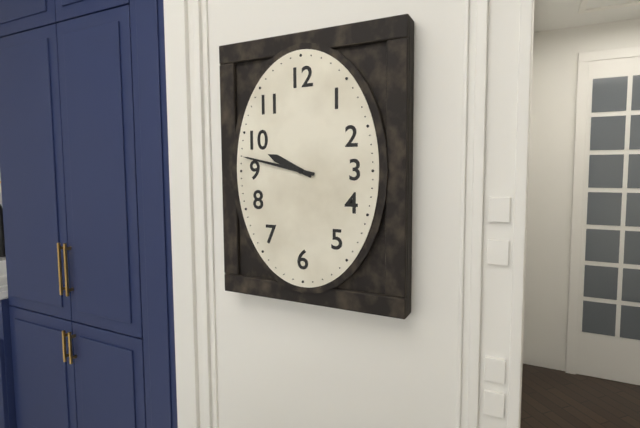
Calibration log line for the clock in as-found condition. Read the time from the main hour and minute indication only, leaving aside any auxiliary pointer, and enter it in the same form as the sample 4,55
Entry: 9,47
